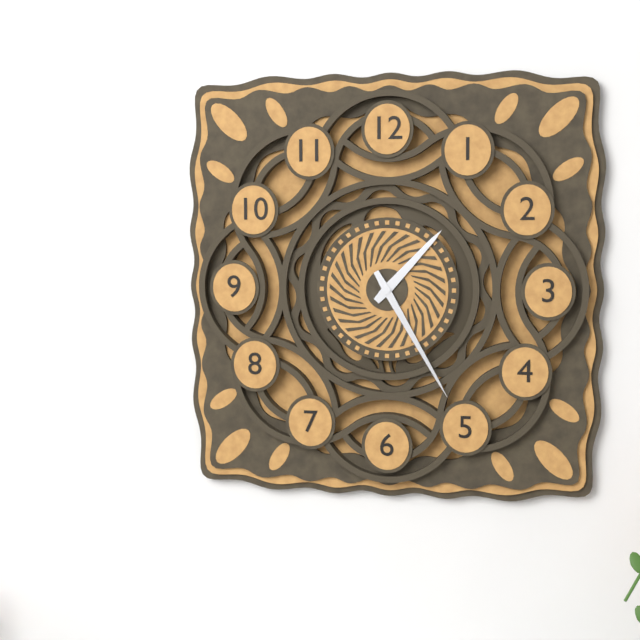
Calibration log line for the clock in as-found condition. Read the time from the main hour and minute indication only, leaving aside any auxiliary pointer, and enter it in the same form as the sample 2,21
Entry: 1,25
